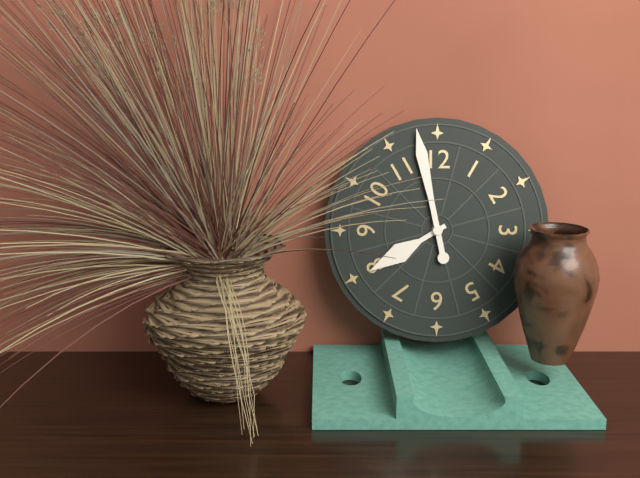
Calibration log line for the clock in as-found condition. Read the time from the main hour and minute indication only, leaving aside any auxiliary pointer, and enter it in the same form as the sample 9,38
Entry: 7,58
